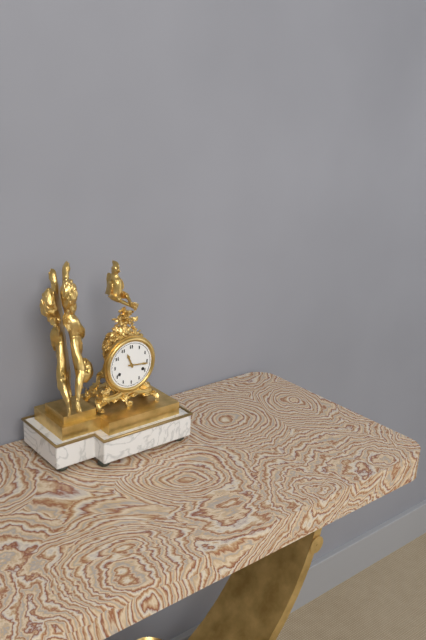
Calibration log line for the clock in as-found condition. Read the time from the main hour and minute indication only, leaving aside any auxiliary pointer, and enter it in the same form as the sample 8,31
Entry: 11,16
